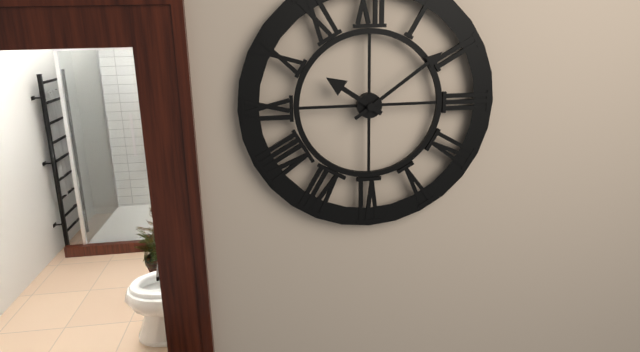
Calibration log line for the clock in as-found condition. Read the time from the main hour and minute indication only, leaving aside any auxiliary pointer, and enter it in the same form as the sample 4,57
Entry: 10,09
